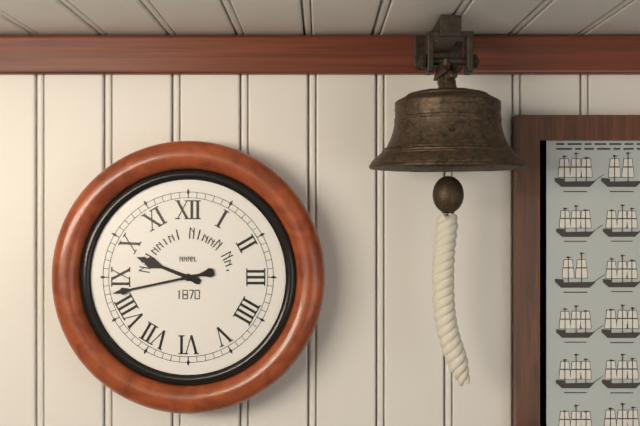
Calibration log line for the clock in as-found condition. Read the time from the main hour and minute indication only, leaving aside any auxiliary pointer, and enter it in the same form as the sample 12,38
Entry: 9,43
